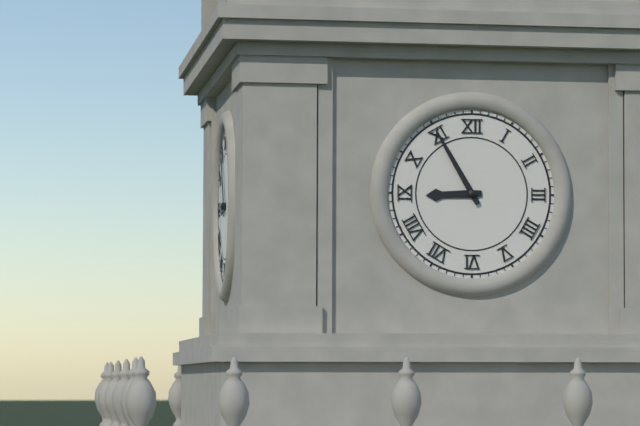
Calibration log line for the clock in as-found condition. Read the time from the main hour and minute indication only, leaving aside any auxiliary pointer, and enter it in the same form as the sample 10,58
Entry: 8,55
